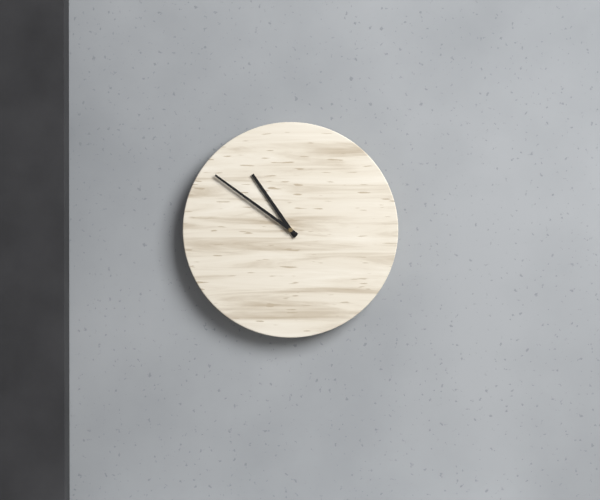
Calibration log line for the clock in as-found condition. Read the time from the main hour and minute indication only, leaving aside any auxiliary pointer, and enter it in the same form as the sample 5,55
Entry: 10,51
